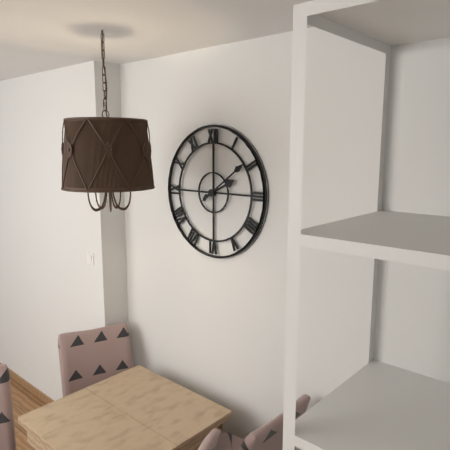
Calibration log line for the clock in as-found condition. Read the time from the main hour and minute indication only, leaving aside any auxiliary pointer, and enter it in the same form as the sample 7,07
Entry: 2,09
